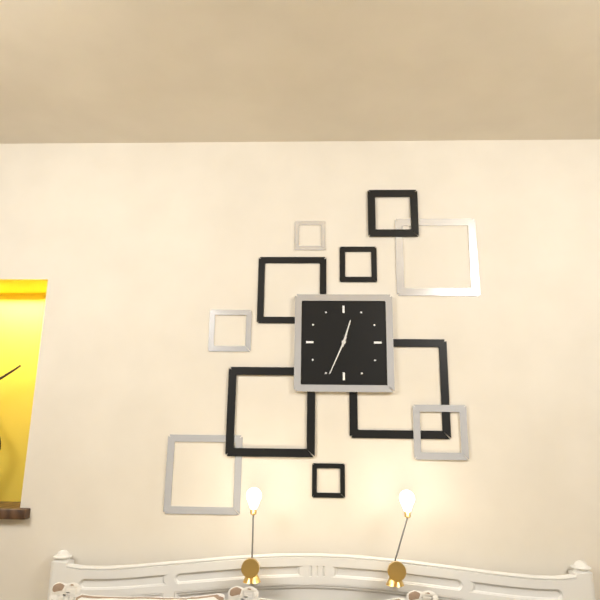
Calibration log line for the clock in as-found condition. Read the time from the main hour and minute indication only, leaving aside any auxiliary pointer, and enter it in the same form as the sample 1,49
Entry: 12,34
